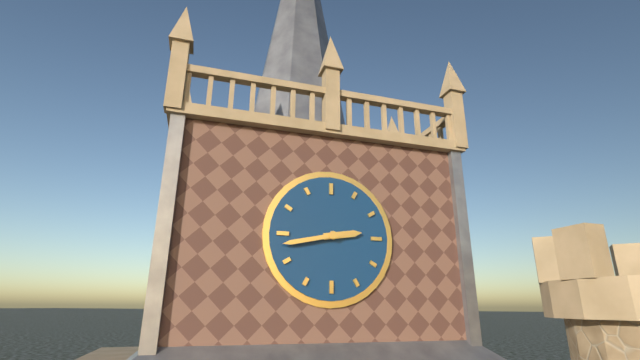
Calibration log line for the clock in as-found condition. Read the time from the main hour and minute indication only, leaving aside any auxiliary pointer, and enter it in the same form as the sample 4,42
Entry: 2,43
